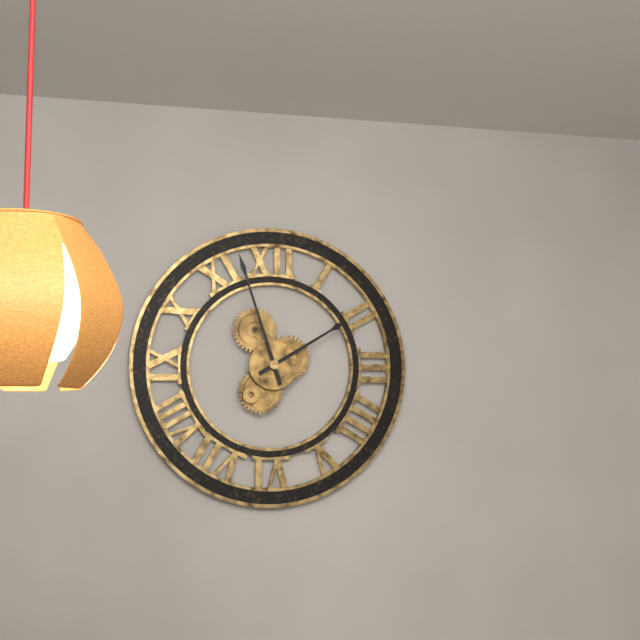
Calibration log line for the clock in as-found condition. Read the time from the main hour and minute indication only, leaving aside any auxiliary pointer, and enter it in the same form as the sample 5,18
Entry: 1,57
